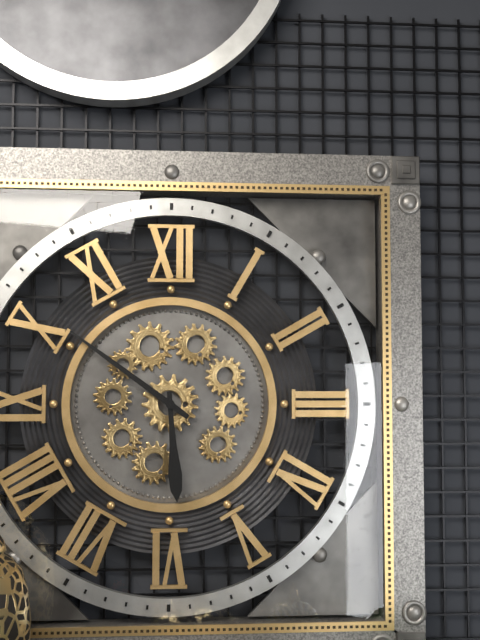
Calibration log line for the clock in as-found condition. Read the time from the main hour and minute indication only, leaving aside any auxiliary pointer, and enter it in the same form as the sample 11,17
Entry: 5,51
